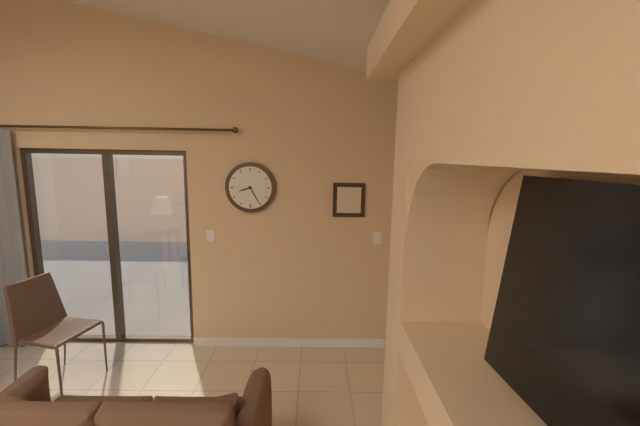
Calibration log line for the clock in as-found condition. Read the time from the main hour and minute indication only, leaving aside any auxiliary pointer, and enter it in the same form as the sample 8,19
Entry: 8,25
